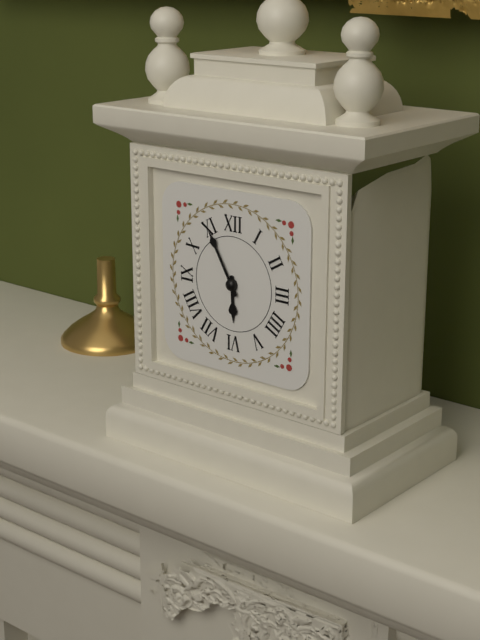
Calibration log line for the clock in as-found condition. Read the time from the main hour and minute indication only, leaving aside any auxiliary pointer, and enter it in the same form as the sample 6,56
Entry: 5,55
